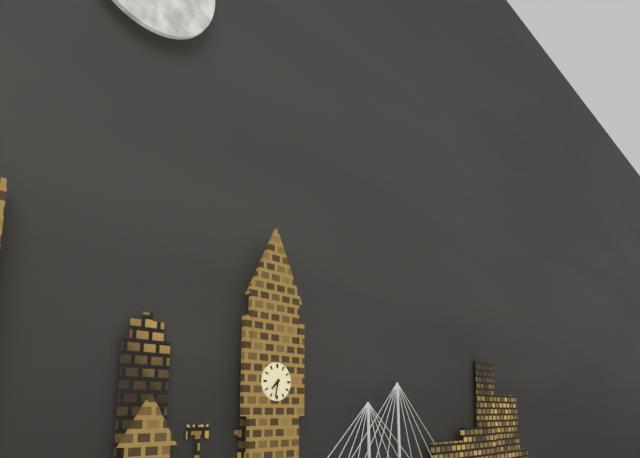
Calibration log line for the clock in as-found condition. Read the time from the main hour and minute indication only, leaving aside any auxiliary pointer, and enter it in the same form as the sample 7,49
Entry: 7,32
